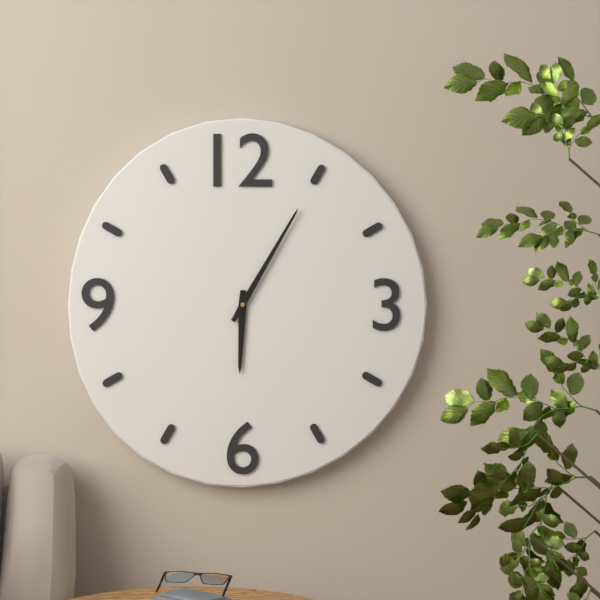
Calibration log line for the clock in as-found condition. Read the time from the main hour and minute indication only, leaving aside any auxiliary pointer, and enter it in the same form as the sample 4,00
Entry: 6,05
